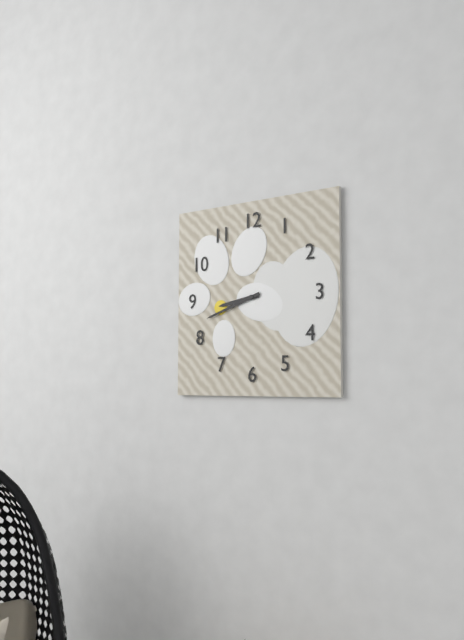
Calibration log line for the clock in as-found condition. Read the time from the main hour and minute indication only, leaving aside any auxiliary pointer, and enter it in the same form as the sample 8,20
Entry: 8,42
